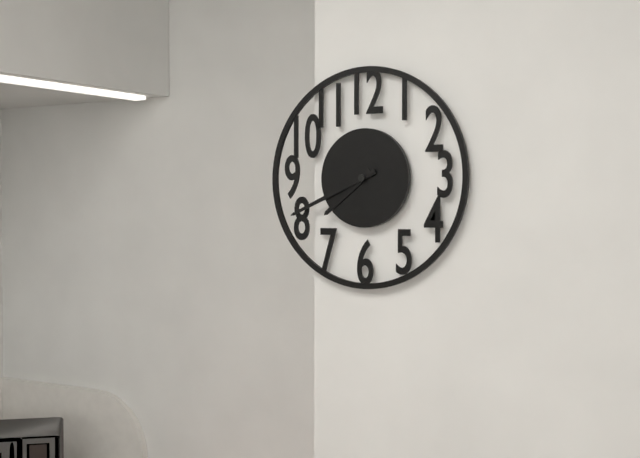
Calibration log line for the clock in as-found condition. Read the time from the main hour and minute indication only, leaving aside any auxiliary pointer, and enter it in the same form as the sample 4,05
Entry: 7,41
